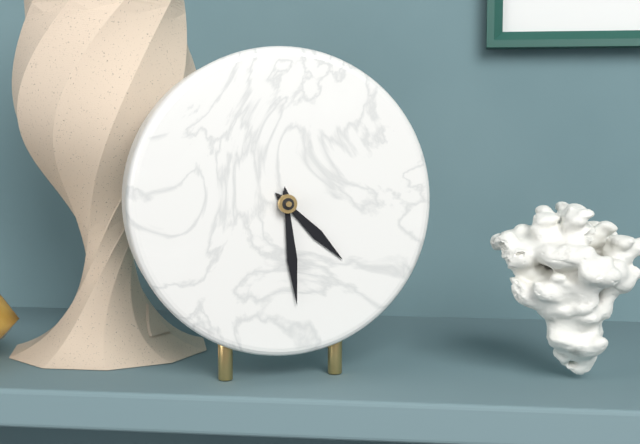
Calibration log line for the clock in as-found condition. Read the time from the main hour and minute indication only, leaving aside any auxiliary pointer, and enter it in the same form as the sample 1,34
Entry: 4,29
